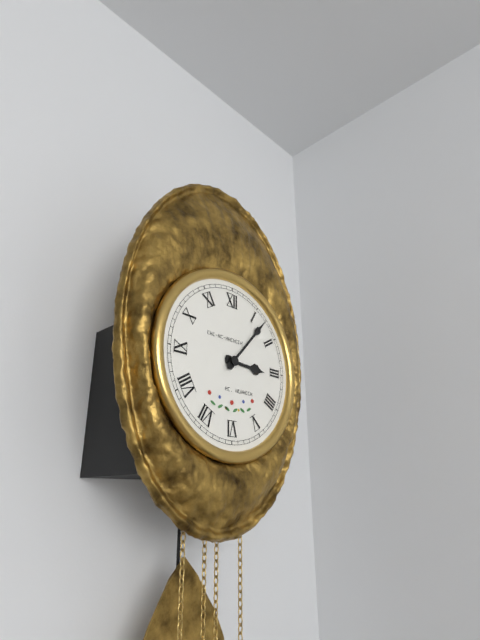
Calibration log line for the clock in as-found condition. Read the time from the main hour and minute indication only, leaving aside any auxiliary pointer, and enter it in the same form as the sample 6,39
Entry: 3,07
